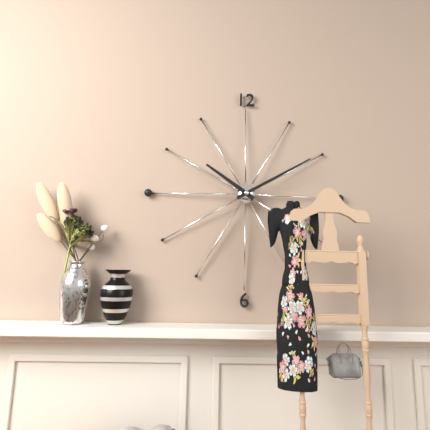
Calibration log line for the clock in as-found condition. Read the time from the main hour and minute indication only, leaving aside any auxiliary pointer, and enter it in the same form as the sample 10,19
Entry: 10,10
